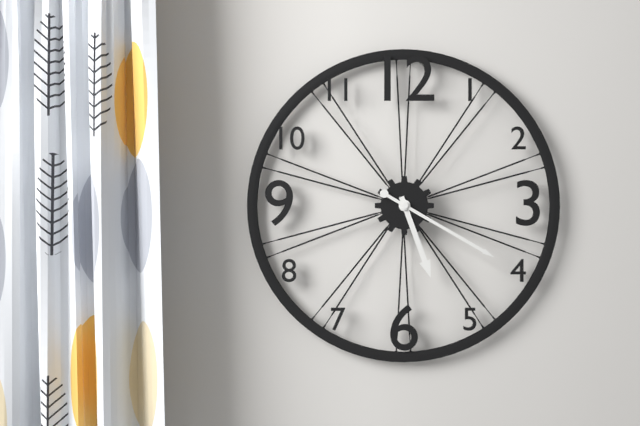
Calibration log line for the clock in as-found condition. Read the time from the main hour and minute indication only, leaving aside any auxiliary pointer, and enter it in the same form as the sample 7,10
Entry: 5,20
